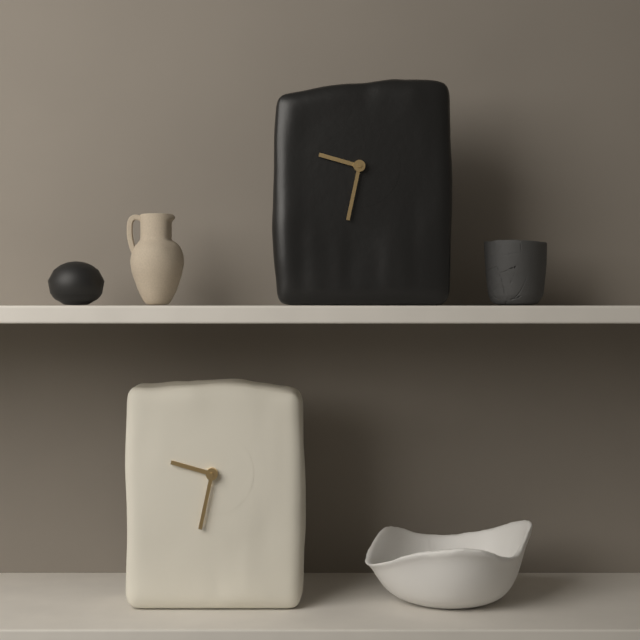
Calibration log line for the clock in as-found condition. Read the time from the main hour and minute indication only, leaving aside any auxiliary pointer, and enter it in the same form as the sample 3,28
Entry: 9,32
